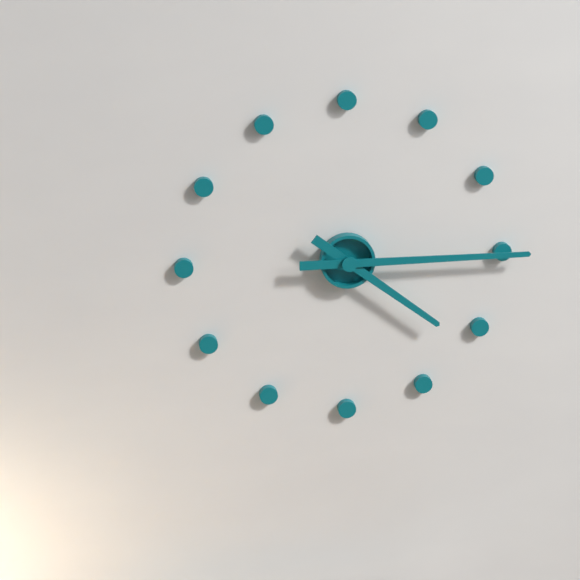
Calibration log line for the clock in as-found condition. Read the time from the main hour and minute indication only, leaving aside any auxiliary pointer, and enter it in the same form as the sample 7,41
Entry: 4,15
